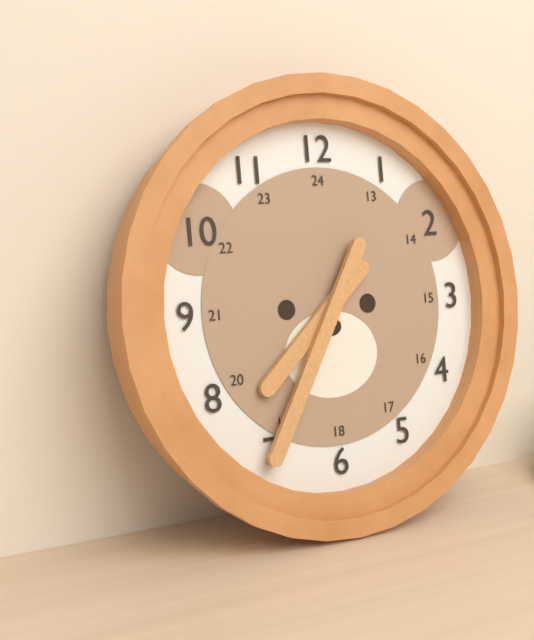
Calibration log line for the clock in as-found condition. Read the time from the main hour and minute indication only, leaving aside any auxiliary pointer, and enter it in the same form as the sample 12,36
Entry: 7,35
